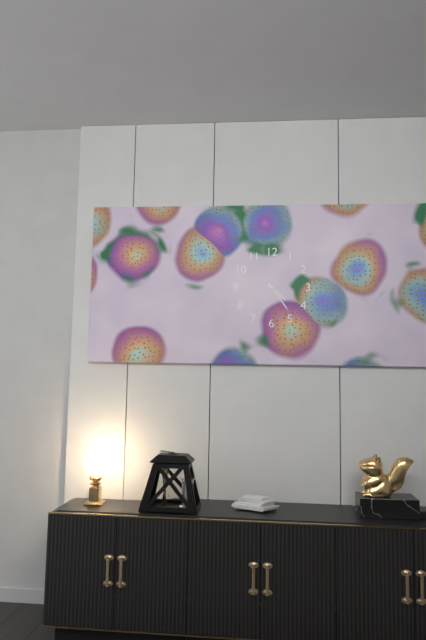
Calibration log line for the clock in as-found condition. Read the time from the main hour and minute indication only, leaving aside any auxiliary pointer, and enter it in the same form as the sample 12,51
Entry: 4,24
